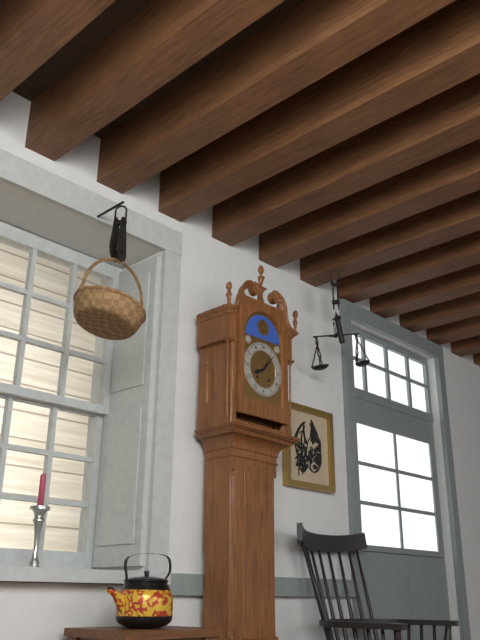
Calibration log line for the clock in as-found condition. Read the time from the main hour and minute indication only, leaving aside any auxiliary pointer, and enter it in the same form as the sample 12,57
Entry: 8,07
